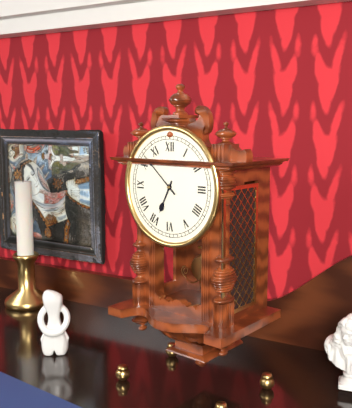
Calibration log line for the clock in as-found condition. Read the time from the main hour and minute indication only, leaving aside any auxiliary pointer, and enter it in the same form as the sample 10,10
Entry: 6,52
